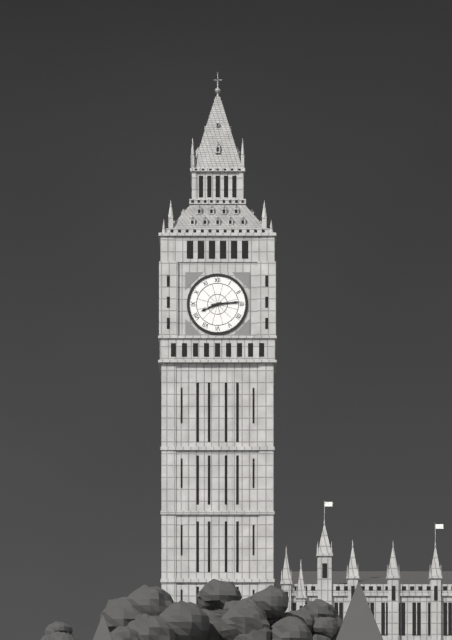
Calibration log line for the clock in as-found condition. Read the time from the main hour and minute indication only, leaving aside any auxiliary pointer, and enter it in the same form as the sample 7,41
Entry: 8,14
